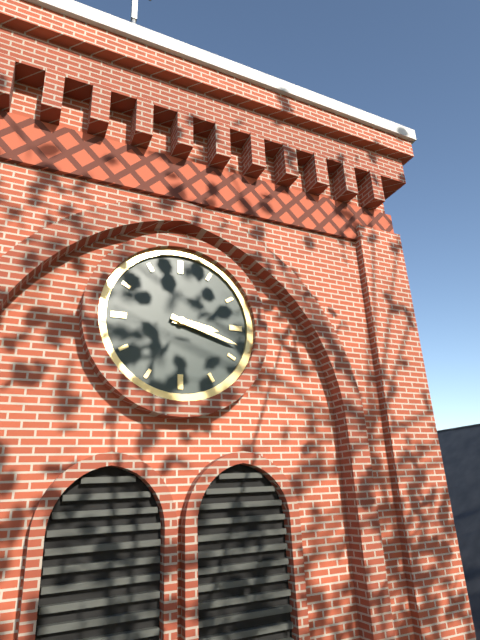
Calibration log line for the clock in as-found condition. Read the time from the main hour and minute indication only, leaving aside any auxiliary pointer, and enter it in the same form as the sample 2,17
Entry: 3,18
